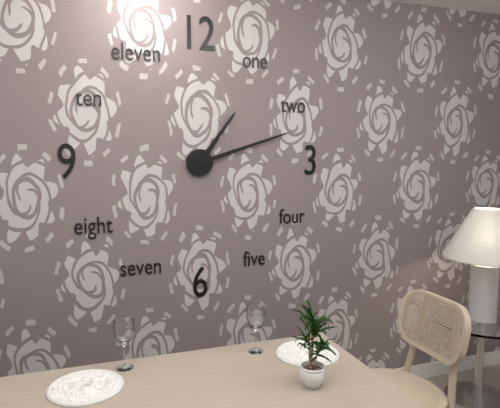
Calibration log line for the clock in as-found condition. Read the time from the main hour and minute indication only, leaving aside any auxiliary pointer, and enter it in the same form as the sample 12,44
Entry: 1,12
